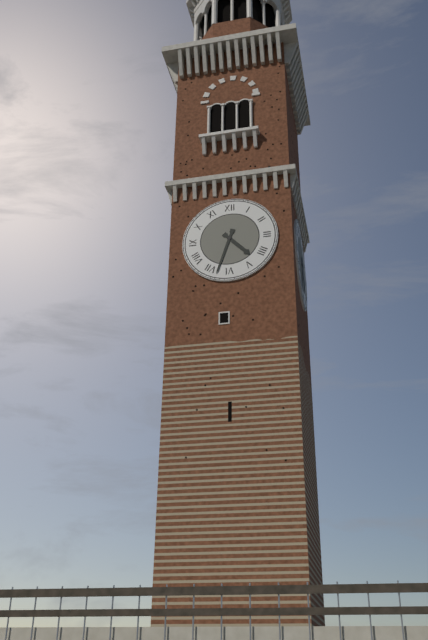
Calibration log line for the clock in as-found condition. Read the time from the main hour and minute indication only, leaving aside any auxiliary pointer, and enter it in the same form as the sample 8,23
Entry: 4,33
